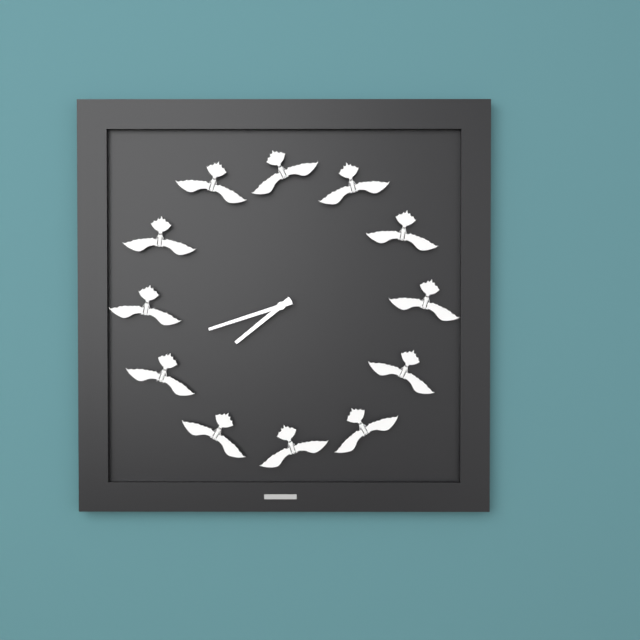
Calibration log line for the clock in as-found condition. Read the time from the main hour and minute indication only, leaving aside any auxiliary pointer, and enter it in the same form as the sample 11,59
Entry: 7,42
